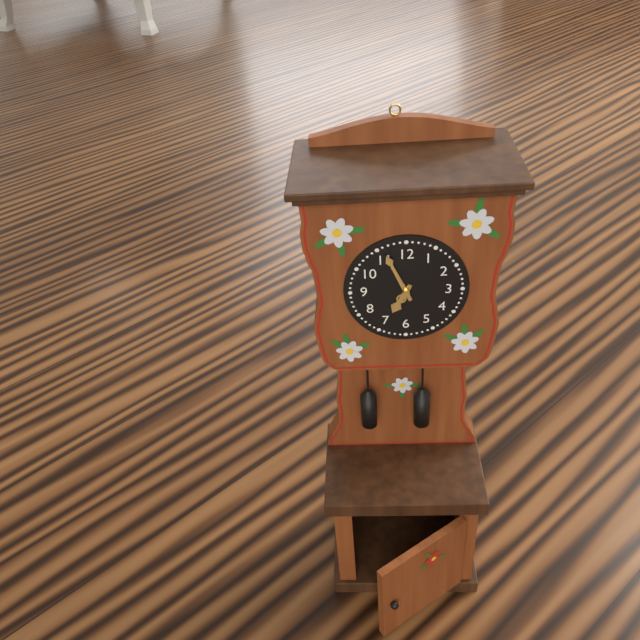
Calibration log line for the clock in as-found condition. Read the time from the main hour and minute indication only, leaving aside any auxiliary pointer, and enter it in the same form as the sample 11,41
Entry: 6,56
